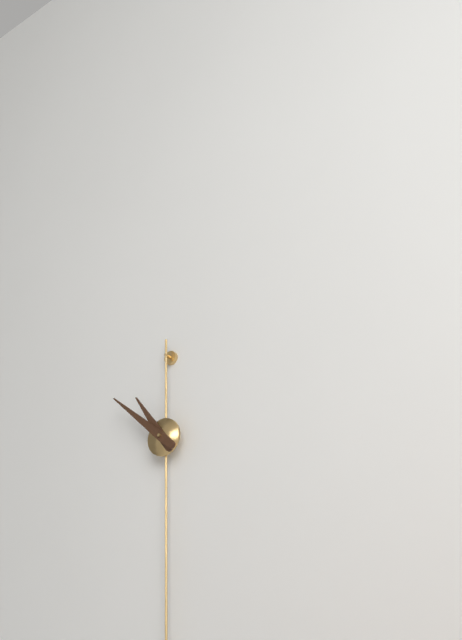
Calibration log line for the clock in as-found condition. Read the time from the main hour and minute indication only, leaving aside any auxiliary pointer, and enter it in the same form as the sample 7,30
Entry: 10,52
